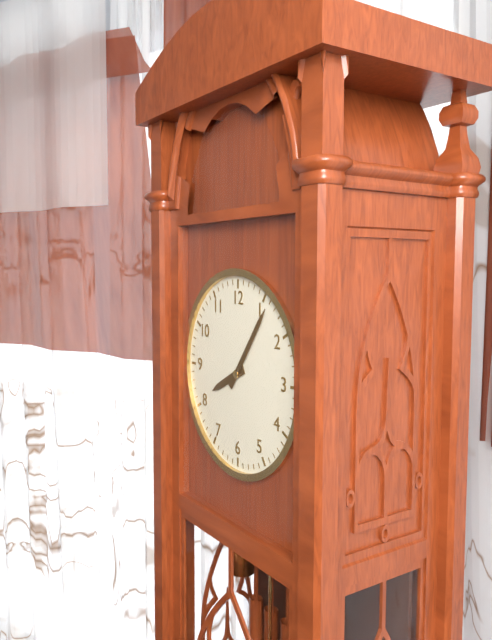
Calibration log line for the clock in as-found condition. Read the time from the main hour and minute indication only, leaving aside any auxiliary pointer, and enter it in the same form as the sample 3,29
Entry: 8,06
